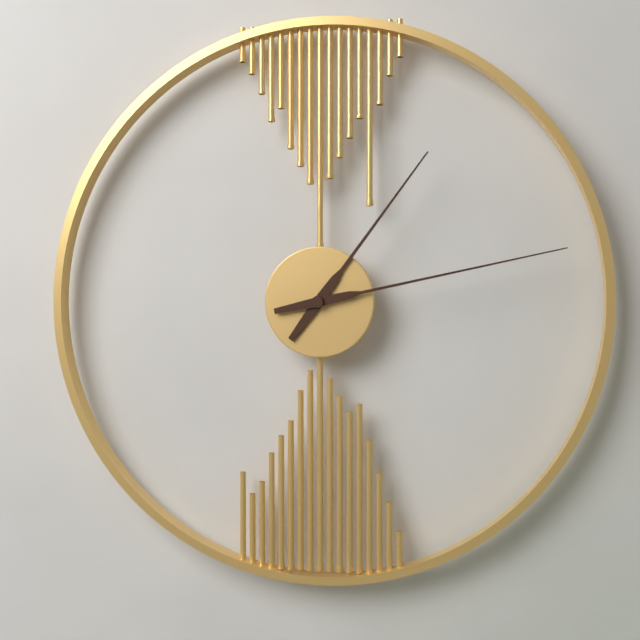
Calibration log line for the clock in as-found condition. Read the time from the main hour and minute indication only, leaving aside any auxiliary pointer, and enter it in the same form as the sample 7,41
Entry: 1,13
